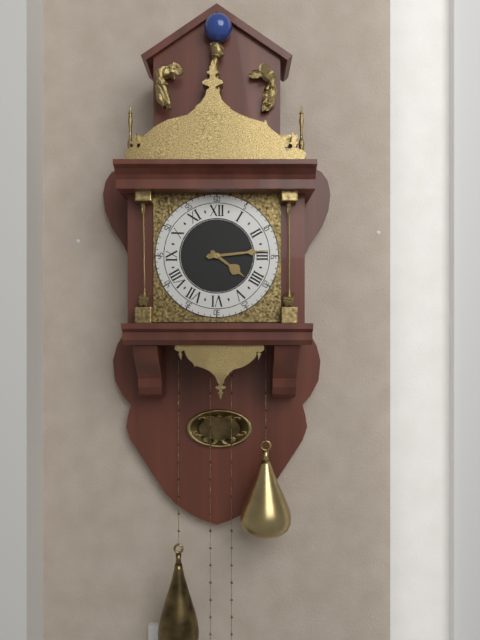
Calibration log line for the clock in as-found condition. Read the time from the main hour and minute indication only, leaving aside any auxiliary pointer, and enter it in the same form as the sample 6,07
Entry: 4,14
